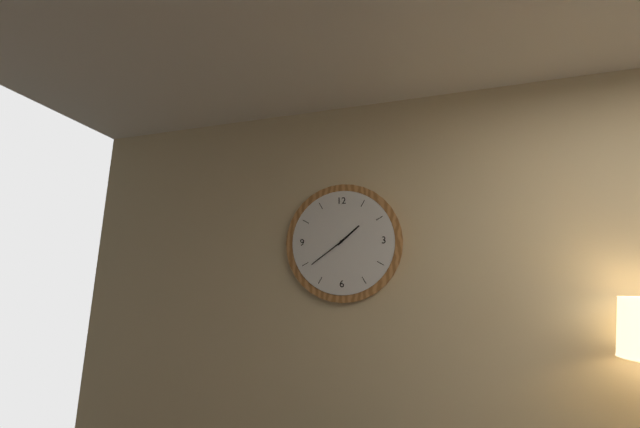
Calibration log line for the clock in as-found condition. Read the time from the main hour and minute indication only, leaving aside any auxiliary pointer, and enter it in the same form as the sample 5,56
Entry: 1,39
